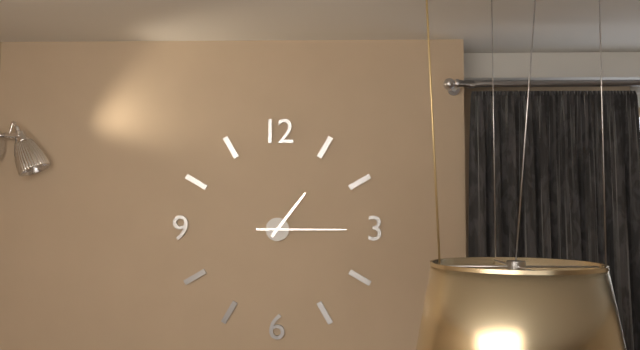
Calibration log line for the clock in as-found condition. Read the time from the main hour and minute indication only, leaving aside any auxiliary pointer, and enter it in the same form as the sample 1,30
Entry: 1,15
